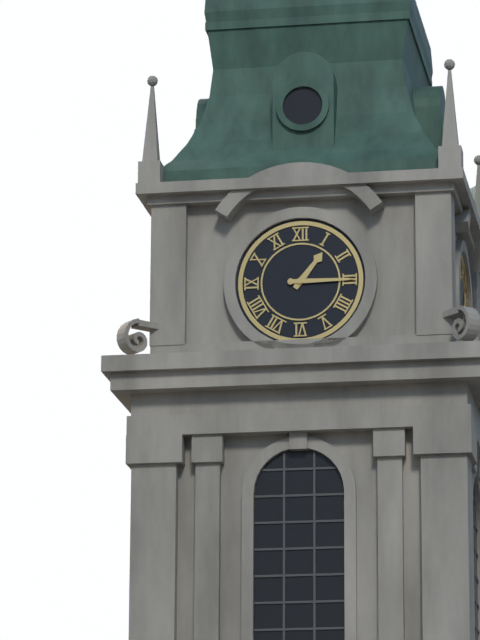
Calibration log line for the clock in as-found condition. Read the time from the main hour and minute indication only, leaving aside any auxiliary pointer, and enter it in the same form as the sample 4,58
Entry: 1,15
